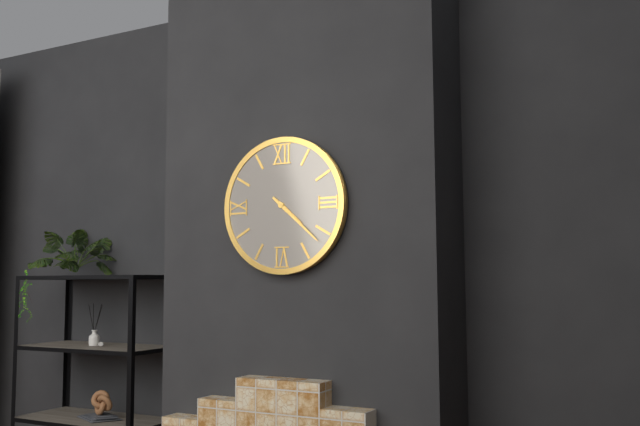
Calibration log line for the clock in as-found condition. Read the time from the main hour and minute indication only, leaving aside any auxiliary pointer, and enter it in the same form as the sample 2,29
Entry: 4,22
